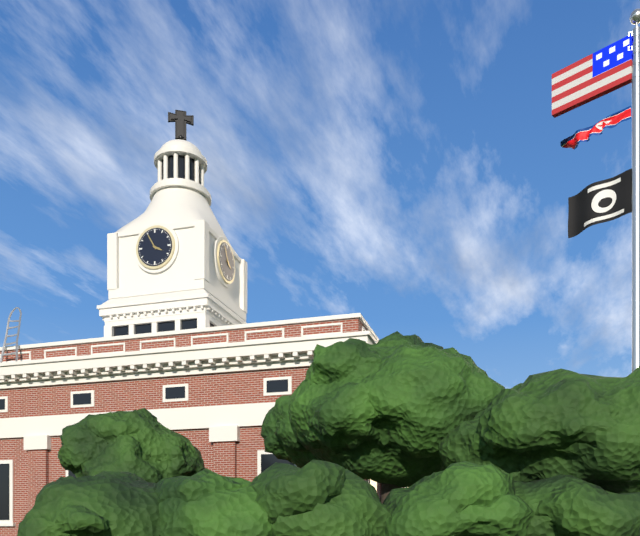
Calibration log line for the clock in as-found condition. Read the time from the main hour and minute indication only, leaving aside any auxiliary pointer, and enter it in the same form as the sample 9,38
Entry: 3,55
